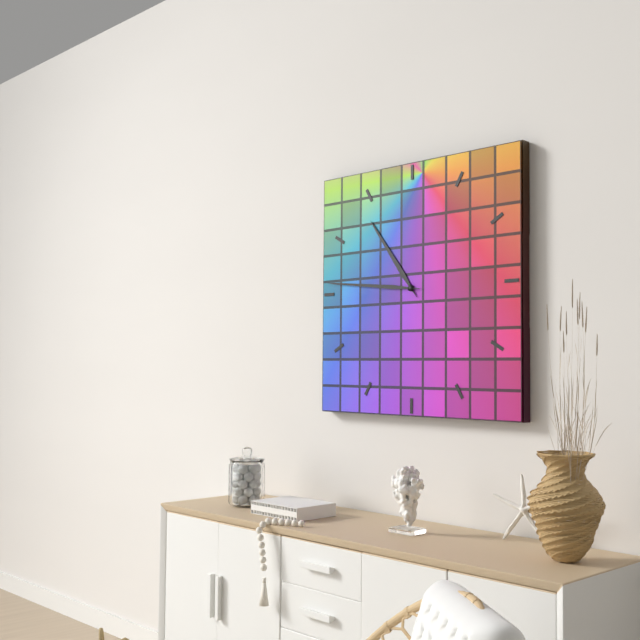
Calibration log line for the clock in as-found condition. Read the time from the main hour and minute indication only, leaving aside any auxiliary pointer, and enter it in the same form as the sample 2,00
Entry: 10,46
